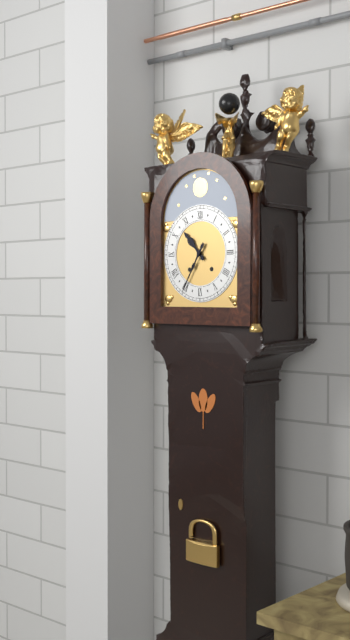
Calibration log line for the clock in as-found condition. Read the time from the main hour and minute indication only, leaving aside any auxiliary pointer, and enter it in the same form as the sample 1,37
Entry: 10,35
